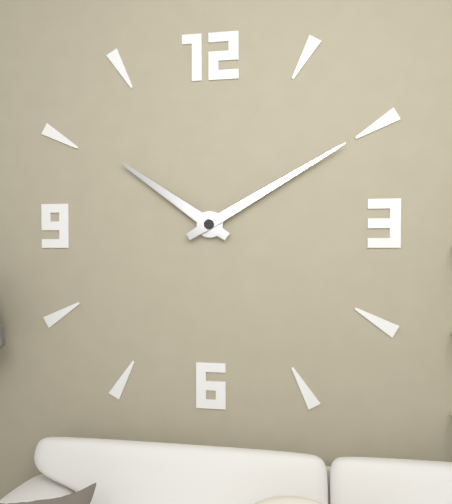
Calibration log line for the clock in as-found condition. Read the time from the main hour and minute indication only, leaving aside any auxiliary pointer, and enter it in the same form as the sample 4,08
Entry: 10,10
